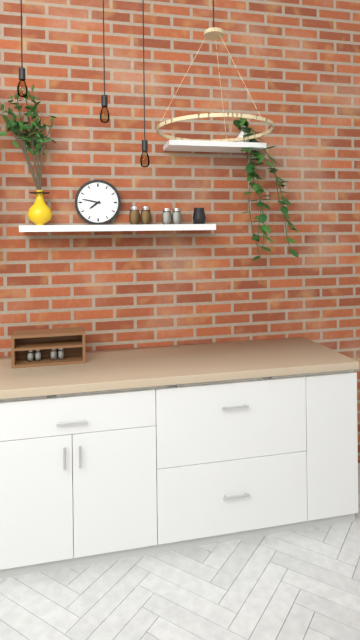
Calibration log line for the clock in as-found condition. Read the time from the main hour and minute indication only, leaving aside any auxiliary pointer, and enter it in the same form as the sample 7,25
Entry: 7,47
